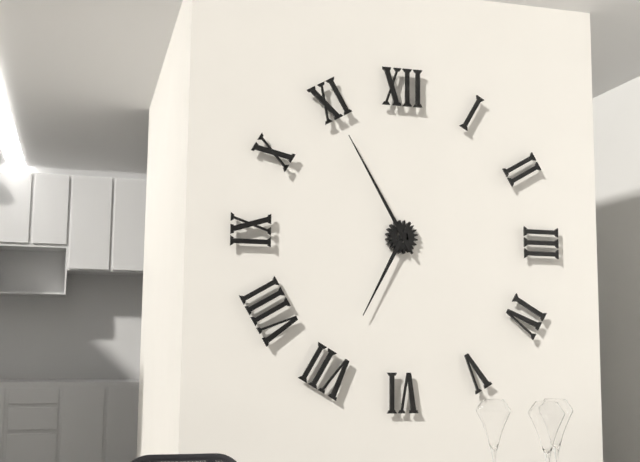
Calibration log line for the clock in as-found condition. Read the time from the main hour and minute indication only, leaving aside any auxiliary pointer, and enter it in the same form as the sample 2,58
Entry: 6,55
